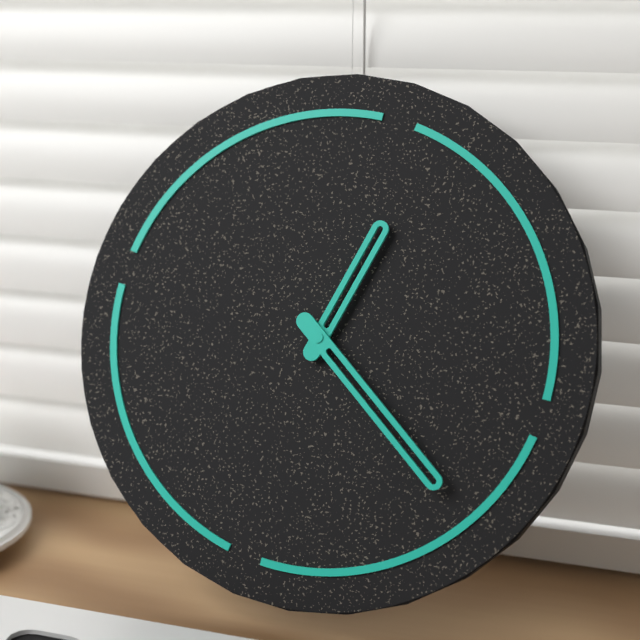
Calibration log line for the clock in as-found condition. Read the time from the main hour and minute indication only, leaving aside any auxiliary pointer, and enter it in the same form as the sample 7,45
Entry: 12,20
